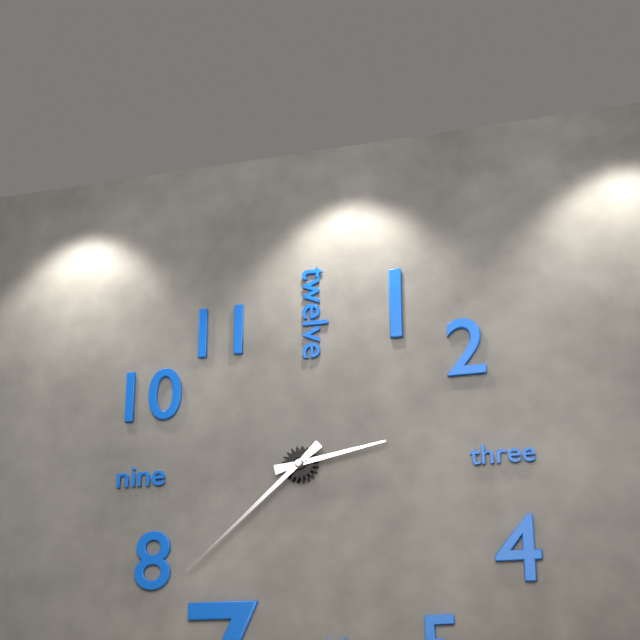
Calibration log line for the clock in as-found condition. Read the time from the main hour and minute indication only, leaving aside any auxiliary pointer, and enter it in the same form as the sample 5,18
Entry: 2,38
